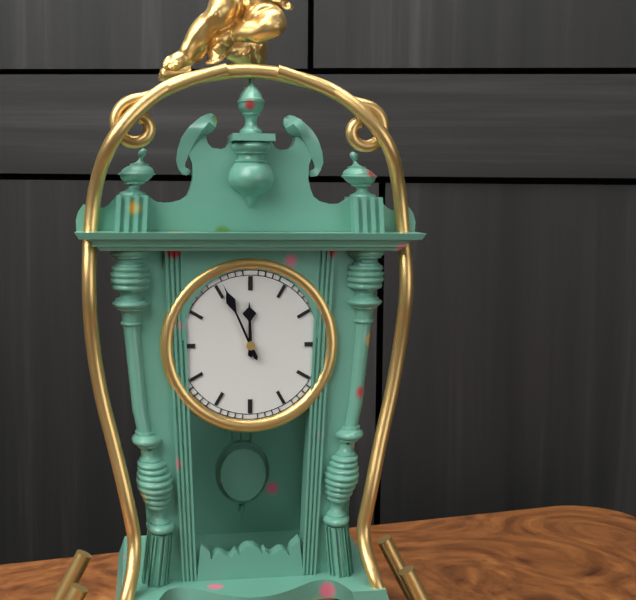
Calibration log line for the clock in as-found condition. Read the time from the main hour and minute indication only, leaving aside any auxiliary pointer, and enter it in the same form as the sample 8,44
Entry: 11,56
